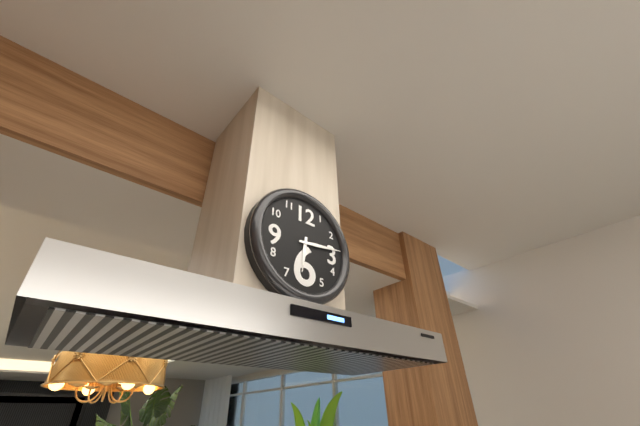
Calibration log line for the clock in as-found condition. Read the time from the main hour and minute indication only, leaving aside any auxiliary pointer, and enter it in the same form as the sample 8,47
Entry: 6,14
